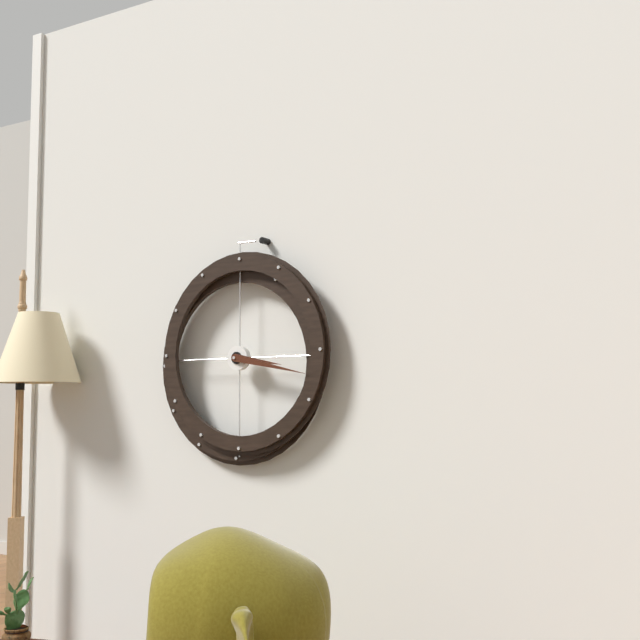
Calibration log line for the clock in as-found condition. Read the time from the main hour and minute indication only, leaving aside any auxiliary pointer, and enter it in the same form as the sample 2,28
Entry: 3,17
